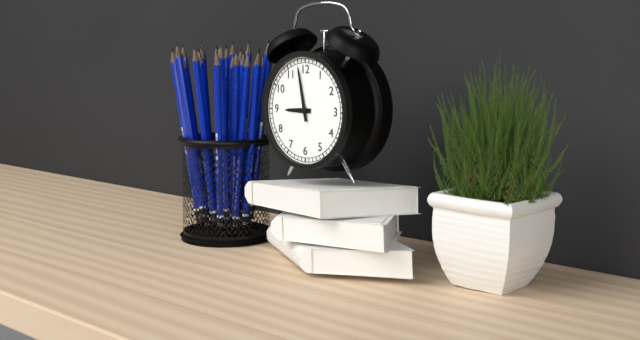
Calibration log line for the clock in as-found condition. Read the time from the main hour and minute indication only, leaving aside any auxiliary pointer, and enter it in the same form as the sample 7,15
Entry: 8,58
